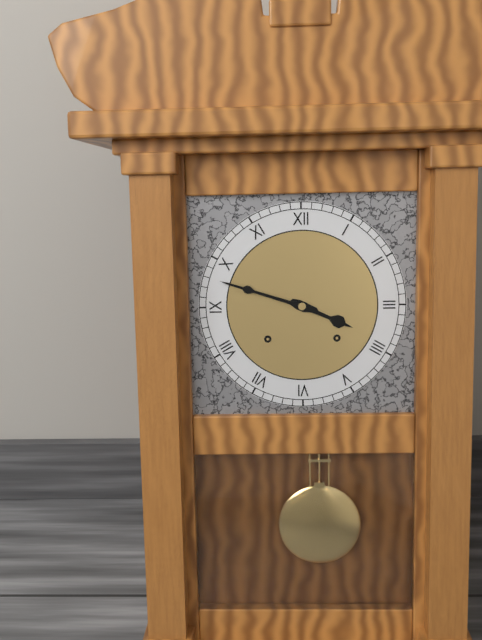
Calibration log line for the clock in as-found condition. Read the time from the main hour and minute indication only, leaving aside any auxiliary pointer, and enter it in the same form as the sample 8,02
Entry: 3,48
